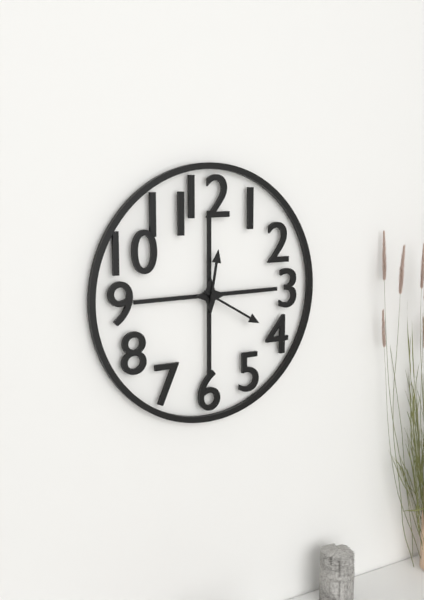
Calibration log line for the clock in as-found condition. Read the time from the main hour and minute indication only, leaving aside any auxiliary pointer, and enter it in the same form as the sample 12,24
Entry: 12,20
